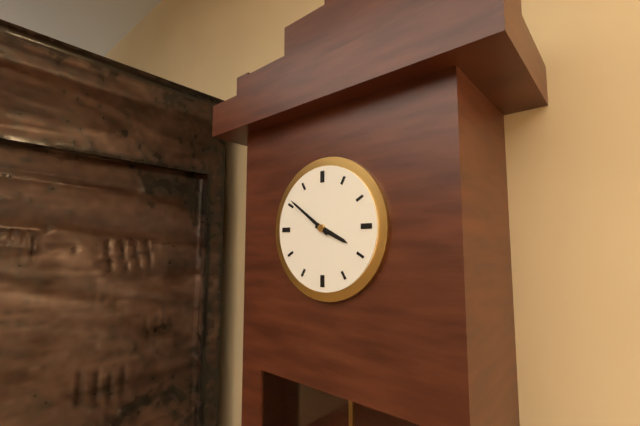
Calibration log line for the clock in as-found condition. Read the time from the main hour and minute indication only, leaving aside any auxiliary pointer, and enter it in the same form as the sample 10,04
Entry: 3,51
